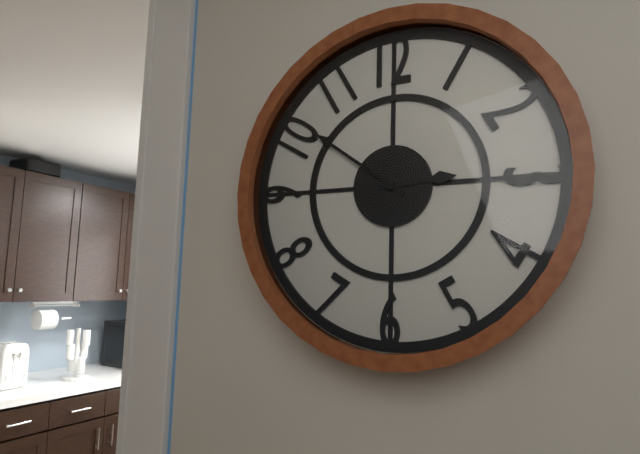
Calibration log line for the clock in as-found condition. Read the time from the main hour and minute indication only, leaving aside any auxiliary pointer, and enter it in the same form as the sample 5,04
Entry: 2,51
